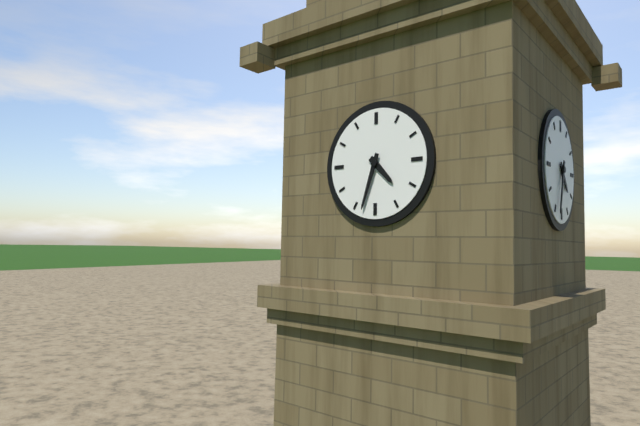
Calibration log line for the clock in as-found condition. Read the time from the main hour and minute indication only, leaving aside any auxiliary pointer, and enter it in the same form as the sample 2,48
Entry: 4,33
